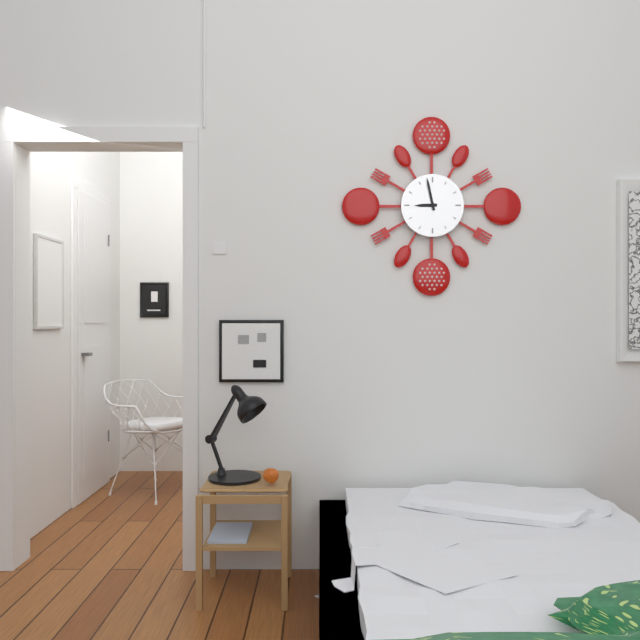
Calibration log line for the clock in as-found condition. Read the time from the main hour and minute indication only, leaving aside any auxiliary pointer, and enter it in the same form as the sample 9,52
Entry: 8,58
